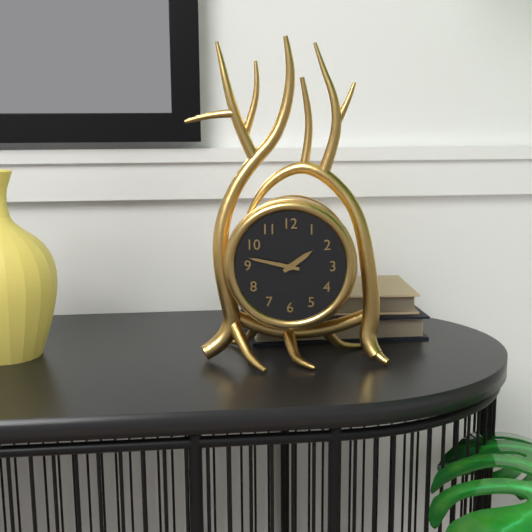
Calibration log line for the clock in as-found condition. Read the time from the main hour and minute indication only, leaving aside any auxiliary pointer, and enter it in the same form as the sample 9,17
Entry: 1,47
